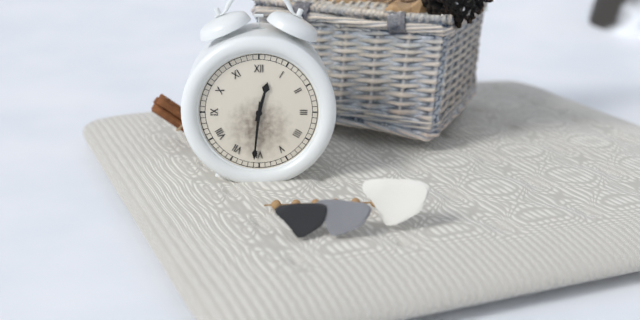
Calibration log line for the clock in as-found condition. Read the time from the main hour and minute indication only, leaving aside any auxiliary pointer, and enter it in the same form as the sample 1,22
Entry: 12,31
